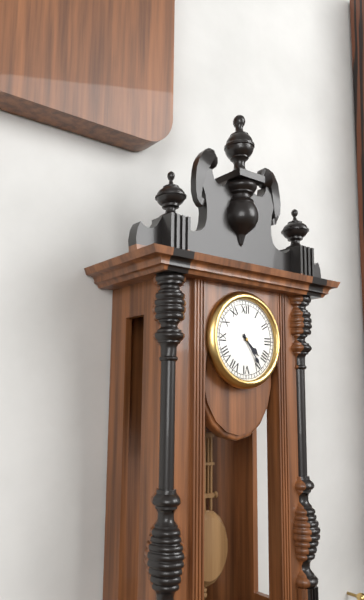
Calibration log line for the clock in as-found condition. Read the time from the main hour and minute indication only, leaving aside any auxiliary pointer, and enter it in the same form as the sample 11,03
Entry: 4,24
